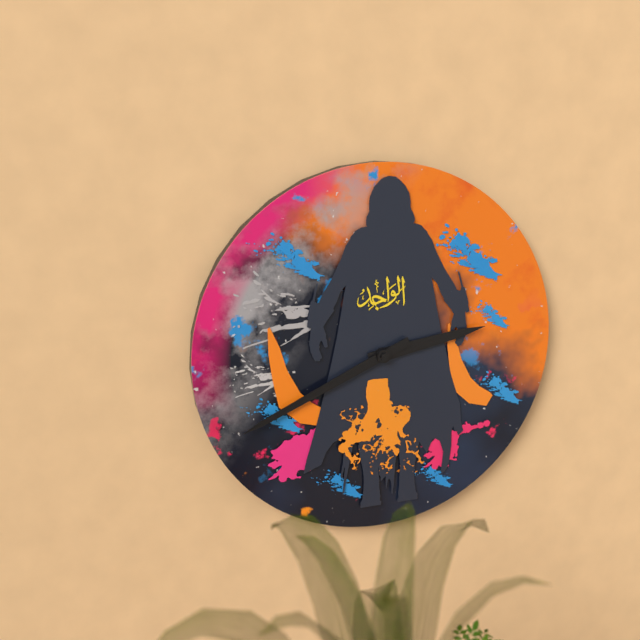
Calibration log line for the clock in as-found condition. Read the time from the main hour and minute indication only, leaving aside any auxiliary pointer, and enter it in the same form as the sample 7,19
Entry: 2,41
